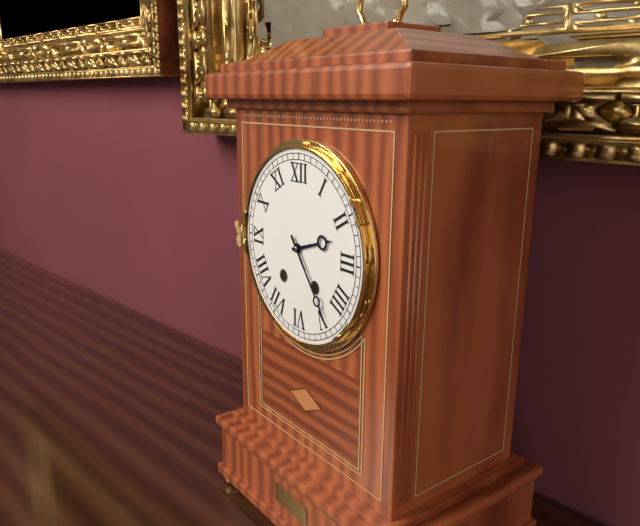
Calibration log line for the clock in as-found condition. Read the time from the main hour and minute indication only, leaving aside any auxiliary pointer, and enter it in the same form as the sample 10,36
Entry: 2,24
